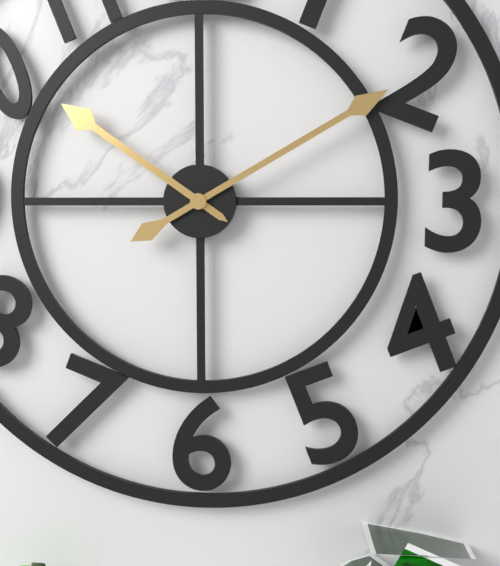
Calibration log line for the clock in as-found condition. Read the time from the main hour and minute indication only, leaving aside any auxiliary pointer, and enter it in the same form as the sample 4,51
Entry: 10,10
